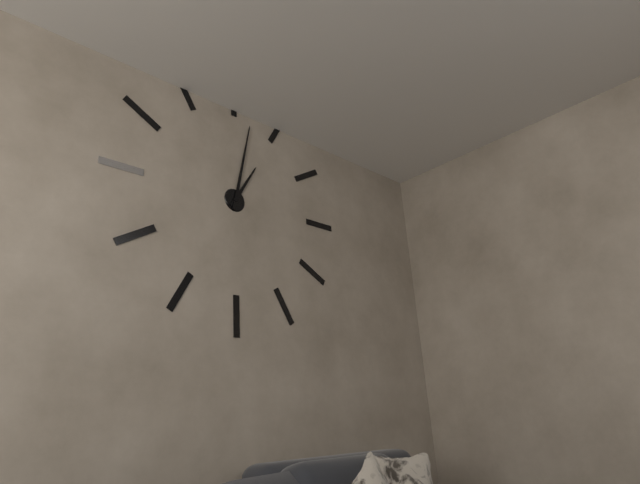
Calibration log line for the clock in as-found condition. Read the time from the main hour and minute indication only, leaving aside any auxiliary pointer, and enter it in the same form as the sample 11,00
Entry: 1,02
